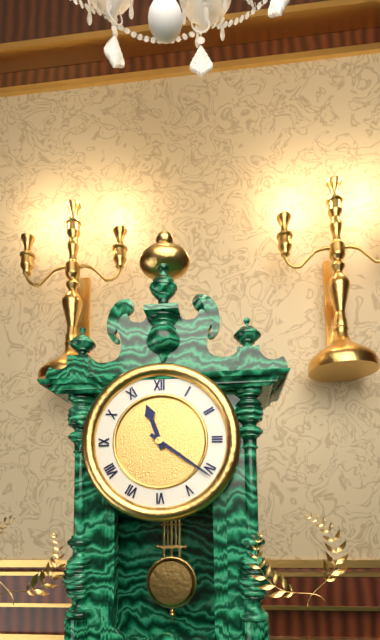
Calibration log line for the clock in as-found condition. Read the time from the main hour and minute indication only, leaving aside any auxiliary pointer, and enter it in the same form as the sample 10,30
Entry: 11,21
